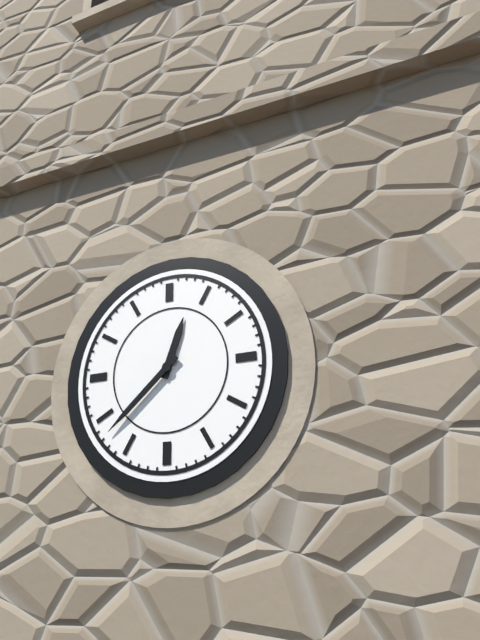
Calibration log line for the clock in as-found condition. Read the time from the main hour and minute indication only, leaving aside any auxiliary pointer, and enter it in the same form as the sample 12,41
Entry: 12,38
